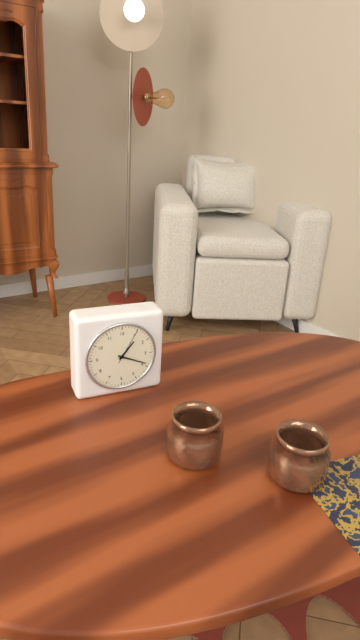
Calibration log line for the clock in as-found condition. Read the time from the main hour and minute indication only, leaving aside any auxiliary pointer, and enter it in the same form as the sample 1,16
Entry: 1,19
